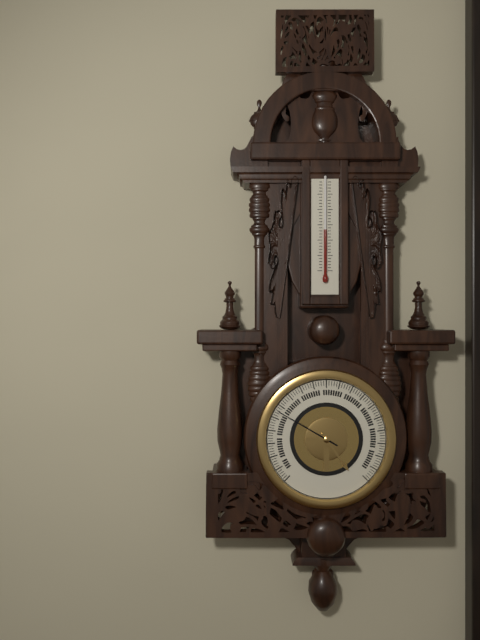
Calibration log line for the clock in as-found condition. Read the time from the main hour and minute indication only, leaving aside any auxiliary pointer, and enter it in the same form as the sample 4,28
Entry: 4,50
